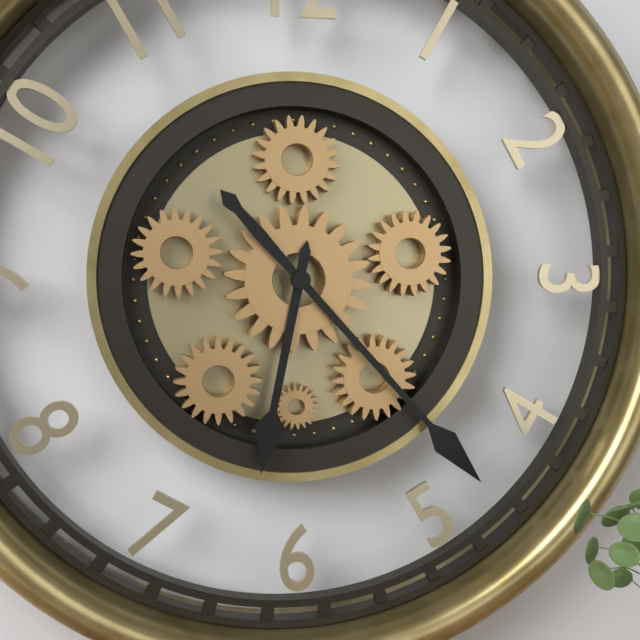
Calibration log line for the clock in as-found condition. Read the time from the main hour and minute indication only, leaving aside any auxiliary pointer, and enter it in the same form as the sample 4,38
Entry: 6,23
